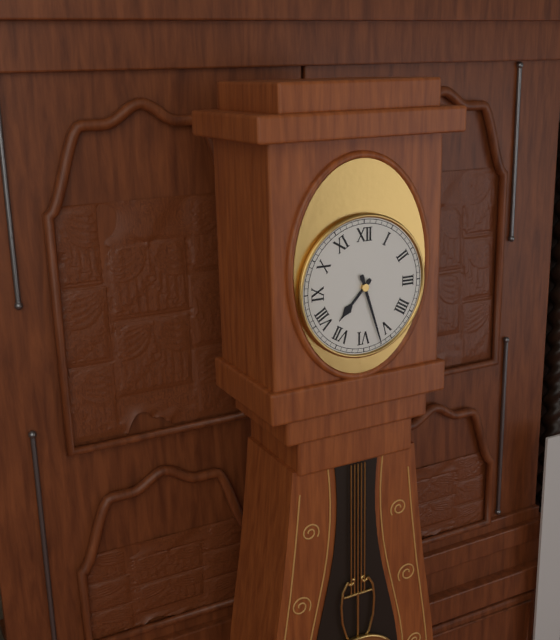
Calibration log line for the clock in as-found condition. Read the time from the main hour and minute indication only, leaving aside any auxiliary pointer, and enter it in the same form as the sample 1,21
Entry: 7,27
